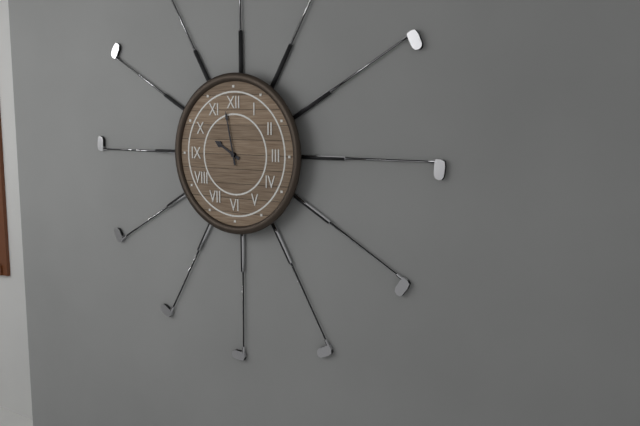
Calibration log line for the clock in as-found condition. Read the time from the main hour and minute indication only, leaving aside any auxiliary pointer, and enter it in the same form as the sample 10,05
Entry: 9,58
